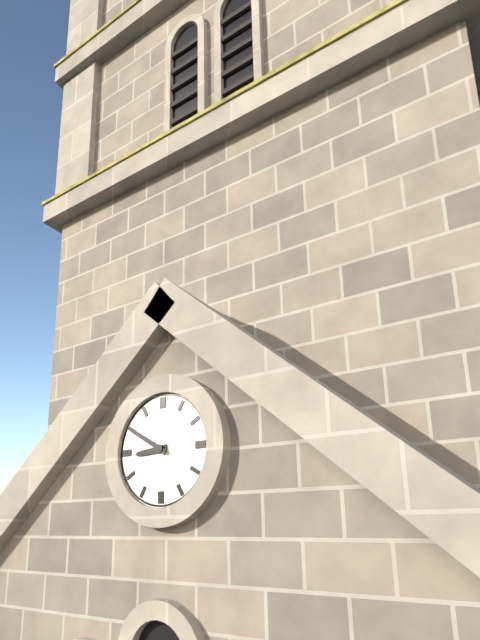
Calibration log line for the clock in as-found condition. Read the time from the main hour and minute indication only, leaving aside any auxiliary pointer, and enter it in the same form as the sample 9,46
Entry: 8,50
